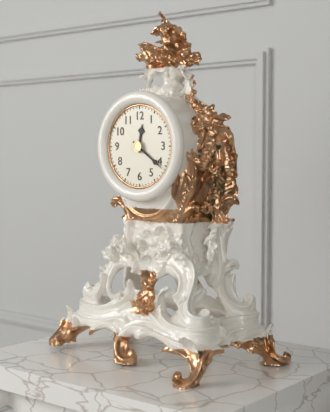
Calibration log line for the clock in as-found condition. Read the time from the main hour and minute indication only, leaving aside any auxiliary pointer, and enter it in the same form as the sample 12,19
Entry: 12,21
